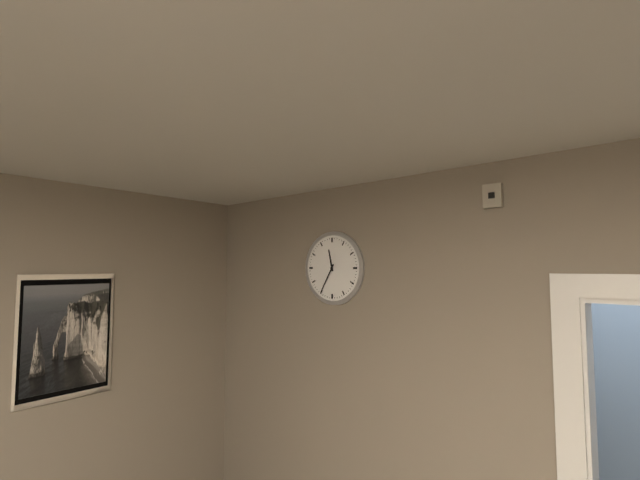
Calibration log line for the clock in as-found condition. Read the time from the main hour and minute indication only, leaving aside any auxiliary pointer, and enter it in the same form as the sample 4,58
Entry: 11,35
